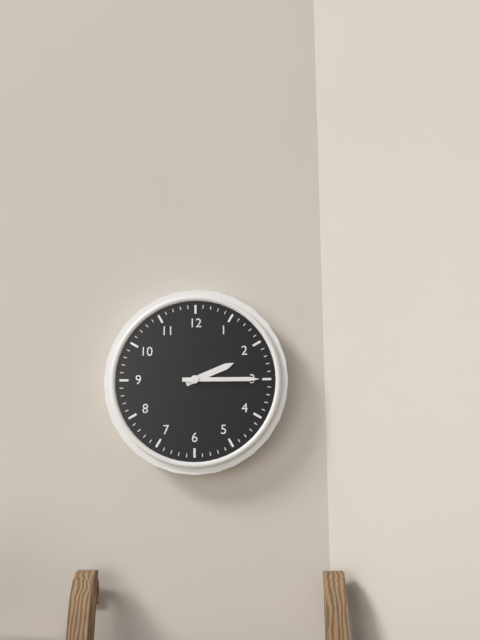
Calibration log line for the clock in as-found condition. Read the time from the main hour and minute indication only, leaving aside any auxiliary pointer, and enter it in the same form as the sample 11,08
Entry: 2,15
